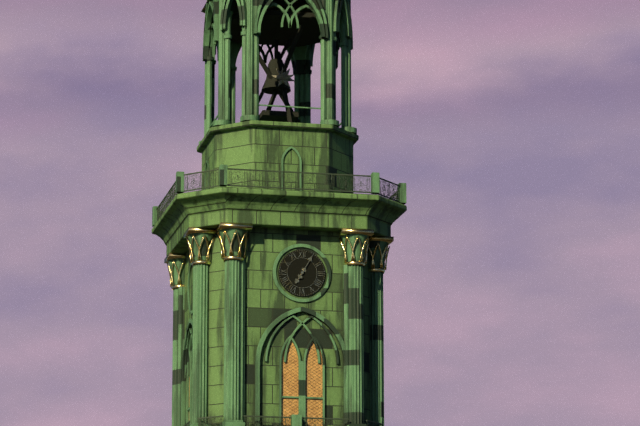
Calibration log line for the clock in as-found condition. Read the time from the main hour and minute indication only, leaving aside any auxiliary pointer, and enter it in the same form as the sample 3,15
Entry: 7,05
